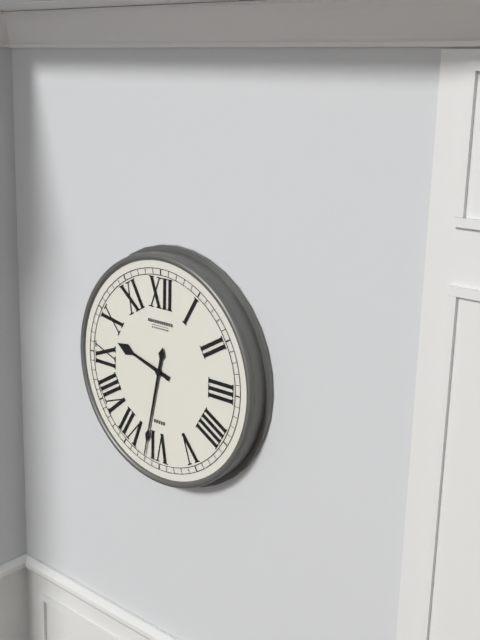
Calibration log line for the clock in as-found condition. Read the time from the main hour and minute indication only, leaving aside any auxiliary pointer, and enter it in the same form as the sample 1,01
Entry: 9,32
